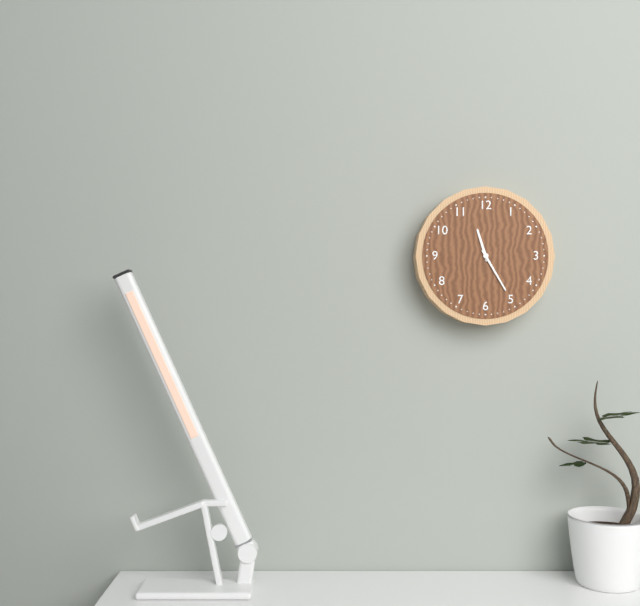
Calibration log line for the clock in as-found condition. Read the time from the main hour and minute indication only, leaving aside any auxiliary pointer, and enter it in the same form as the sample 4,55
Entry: 11,25
